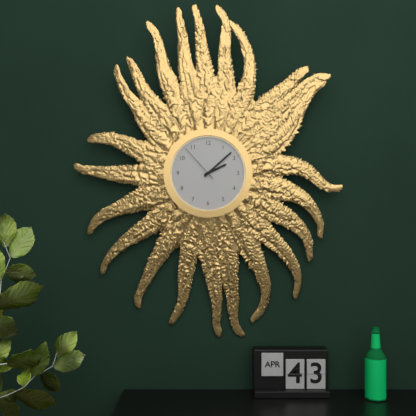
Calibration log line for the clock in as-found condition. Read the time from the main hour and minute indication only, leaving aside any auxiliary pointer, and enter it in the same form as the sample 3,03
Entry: 2,08
